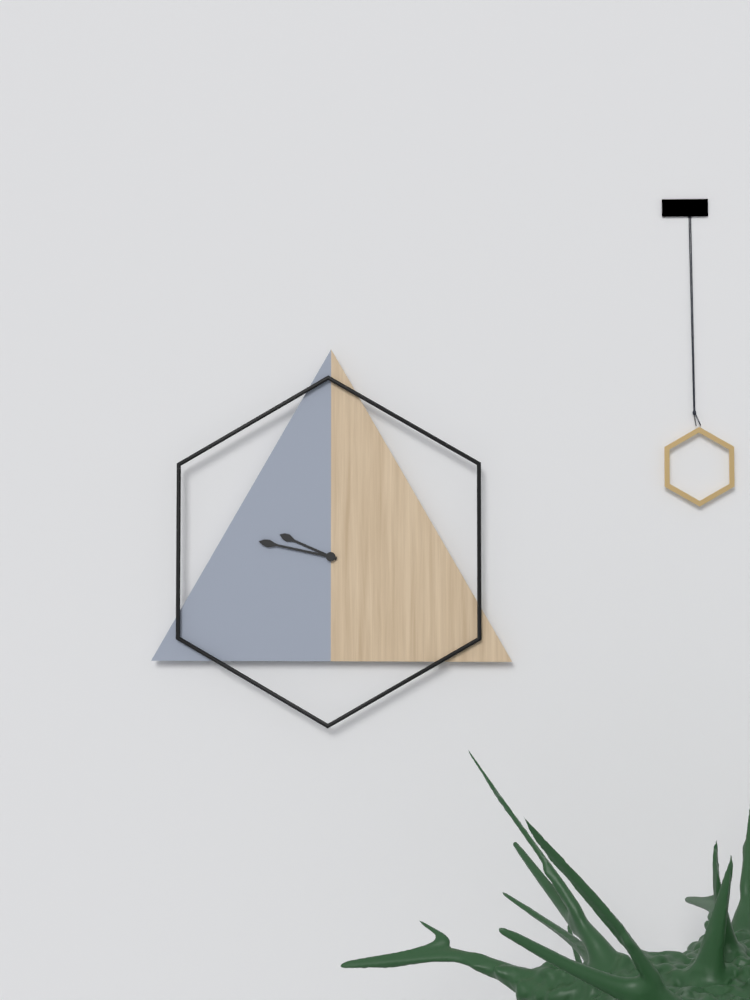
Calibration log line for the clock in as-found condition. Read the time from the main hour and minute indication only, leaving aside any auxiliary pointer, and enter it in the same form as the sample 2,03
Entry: 9,47
